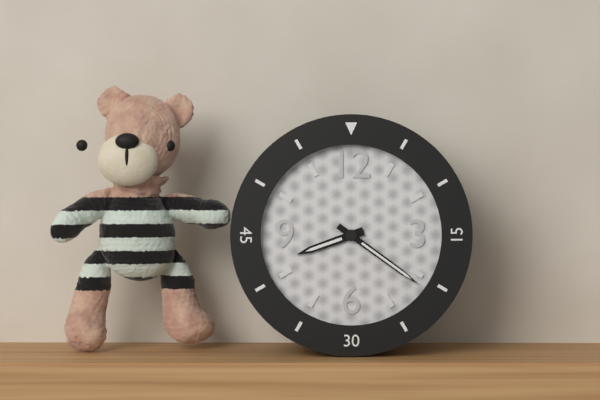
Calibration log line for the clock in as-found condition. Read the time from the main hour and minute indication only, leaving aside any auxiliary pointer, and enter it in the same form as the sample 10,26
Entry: 8,21
